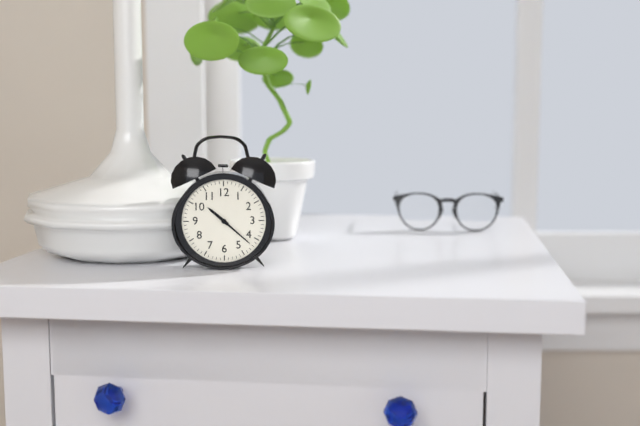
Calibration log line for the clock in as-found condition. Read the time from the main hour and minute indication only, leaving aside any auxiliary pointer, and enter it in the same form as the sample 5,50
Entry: 10,22
